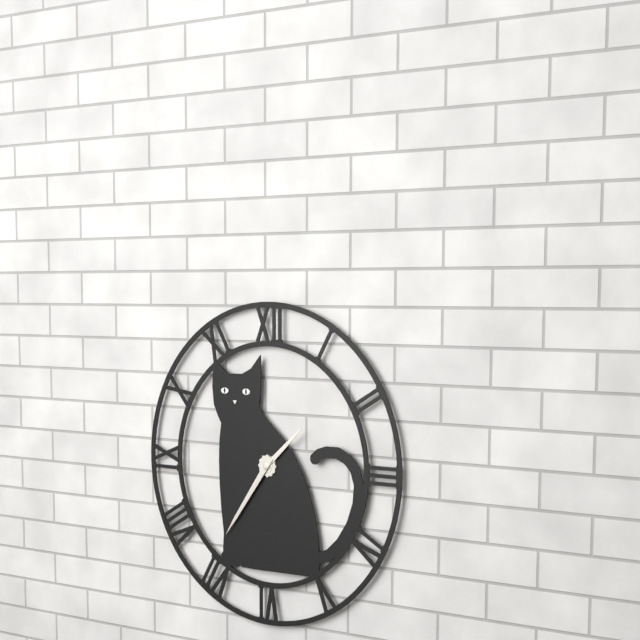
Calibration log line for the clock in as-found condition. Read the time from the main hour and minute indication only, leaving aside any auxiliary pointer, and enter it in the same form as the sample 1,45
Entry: 1,36
